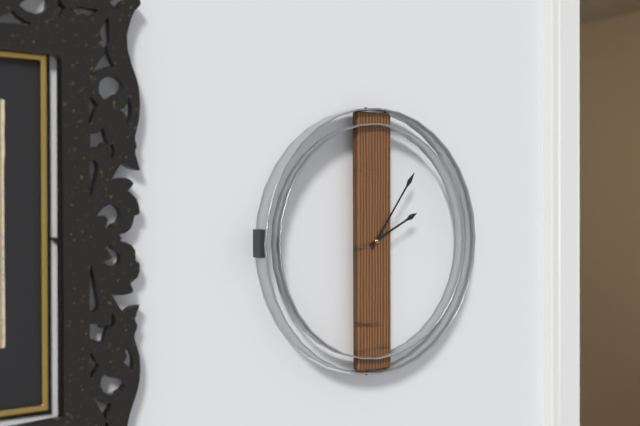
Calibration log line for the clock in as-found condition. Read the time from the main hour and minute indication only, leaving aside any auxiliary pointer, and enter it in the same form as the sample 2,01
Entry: 2,06
